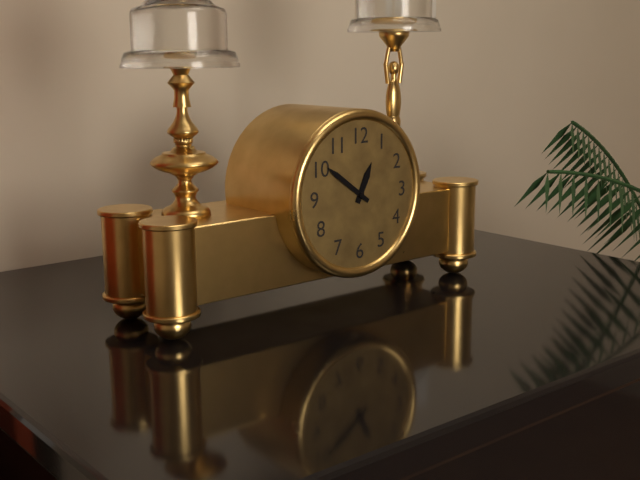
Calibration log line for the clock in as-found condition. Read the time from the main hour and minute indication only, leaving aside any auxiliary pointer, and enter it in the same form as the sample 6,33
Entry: 12,51
